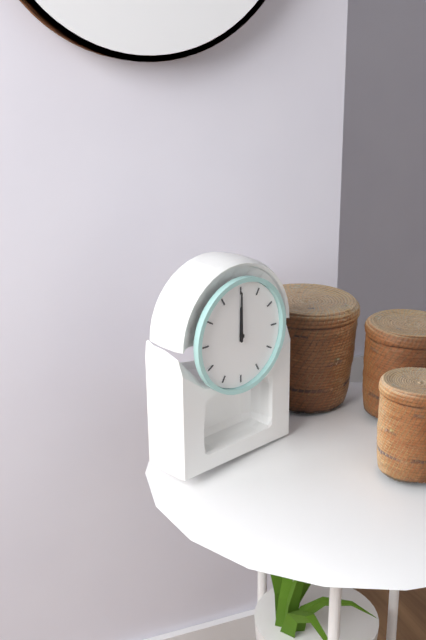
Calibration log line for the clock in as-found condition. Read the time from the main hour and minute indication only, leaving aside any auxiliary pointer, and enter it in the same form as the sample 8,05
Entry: 12,00
